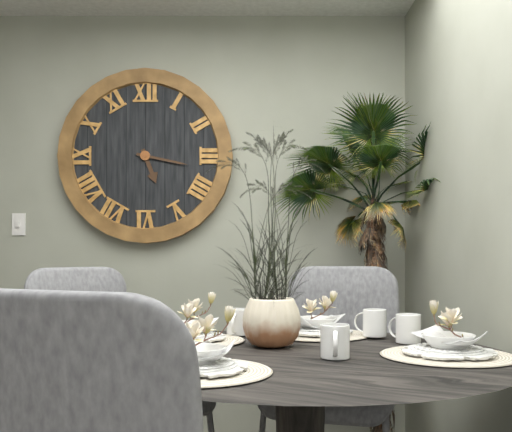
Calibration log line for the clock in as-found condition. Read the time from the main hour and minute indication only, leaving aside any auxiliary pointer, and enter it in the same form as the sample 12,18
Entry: 5,17
